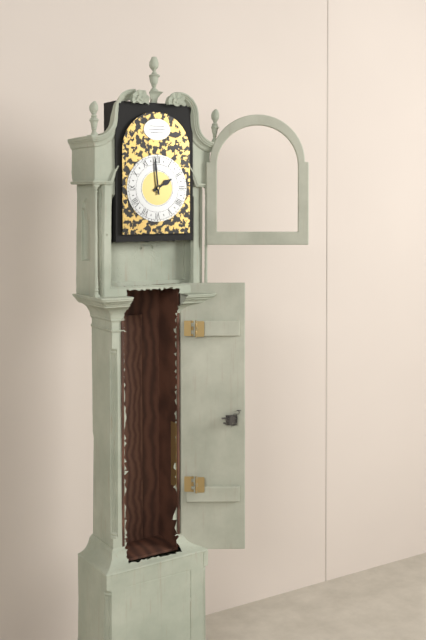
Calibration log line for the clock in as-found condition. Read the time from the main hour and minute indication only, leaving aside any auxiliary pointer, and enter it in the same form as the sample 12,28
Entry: 1,59
